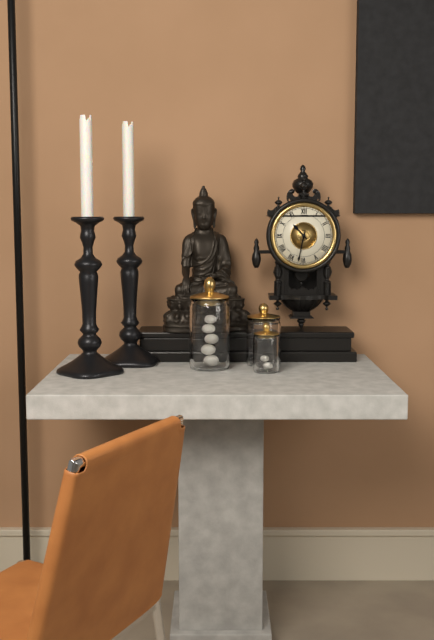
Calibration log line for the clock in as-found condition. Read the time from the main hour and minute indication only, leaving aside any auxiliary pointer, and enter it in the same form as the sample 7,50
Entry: 10,32
